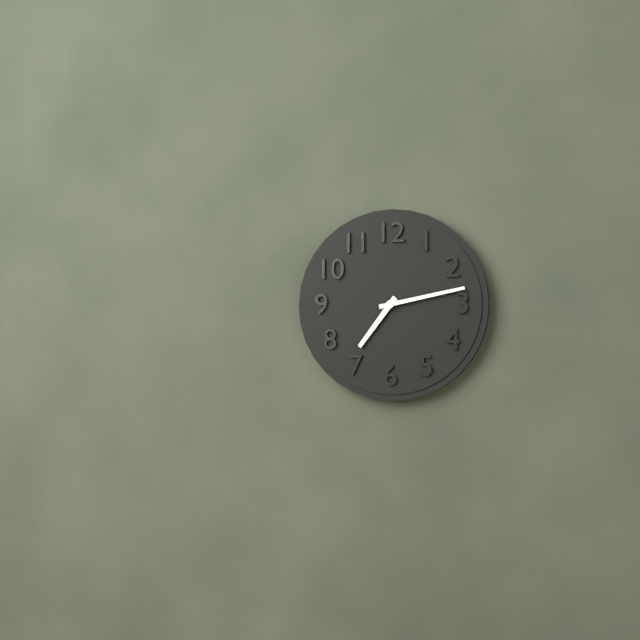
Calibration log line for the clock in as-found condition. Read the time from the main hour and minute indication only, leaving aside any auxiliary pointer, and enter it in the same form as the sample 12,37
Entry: 7,13
